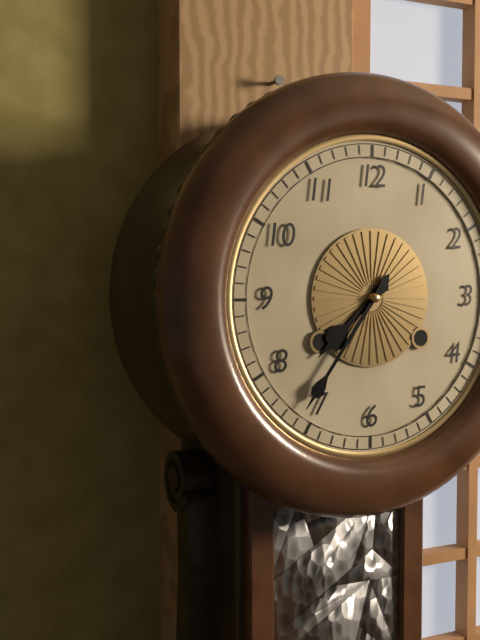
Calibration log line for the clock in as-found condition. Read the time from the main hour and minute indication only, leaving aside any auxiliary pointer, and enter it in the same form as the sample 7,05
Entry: 7,36
